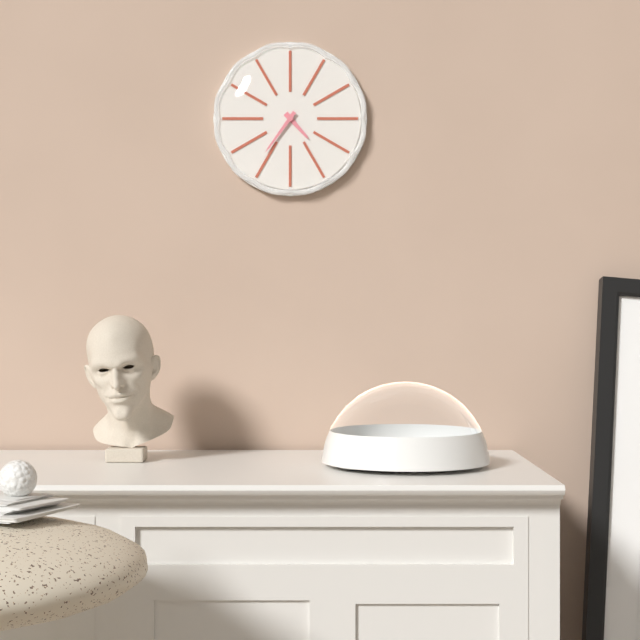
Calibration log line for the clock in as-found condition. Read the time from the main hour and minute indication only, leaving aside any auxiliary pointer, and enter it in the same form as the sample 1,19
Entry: 4,36
